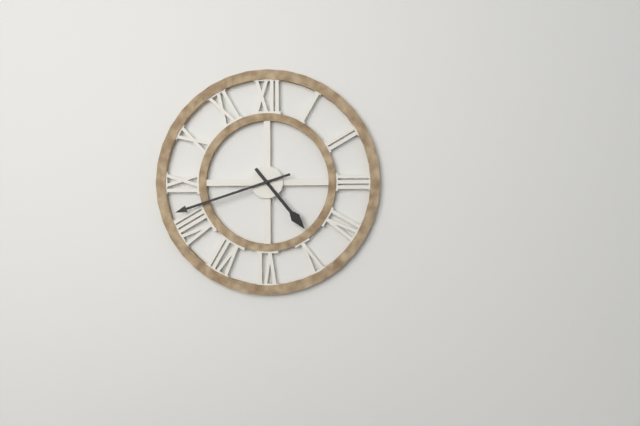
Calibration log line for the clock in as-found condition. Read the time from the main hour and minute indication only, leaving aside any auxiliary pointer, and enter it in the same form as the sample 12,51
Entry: 4,42
